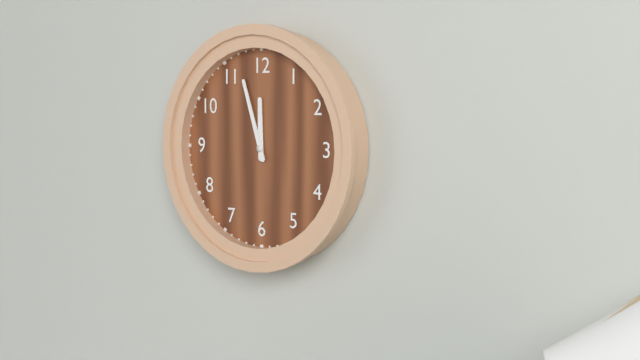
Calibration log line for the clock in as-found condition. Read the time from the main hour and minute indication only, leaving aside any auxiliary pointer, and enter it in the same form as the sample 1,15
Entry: 11,57
